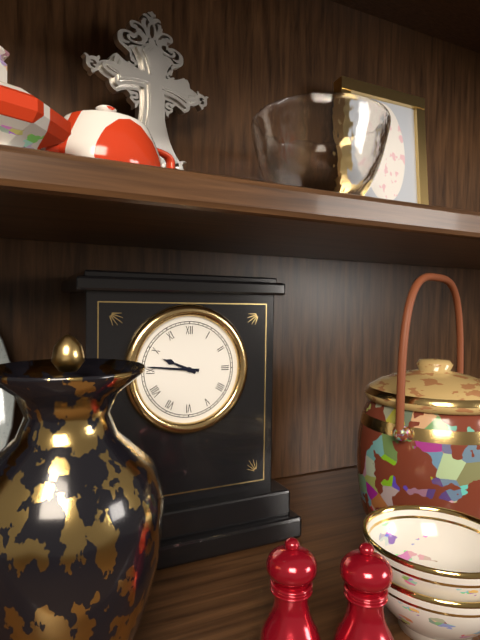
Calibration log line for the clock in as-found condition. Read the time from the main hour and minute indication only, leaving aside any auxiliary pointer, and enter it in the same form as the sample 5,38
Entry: 9,46
